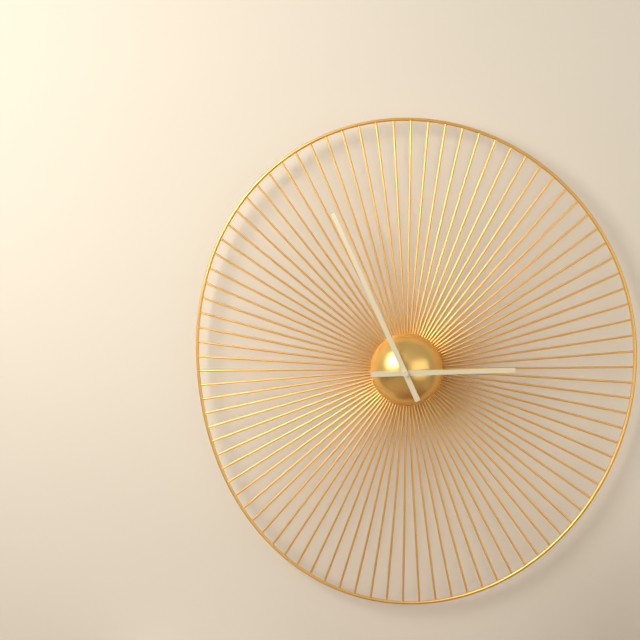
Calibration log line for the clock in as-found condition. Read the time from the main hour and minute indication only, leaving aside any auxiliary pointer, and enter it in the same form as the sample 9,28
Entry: 2,56
